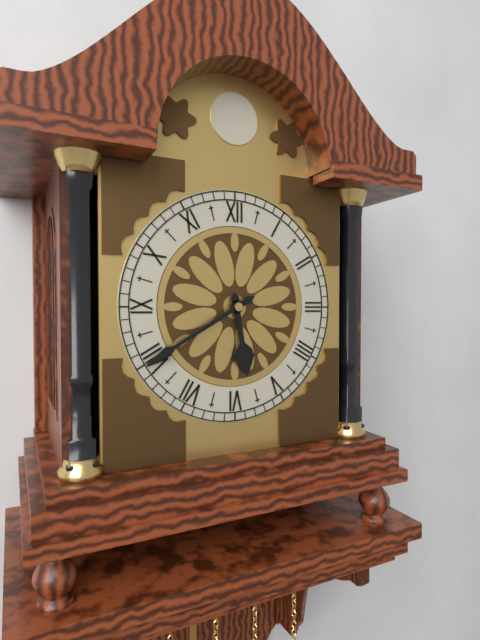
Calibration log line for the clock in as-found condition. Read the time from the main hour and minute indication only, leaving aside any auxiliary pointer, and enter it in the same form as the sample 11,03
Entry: 5,40
